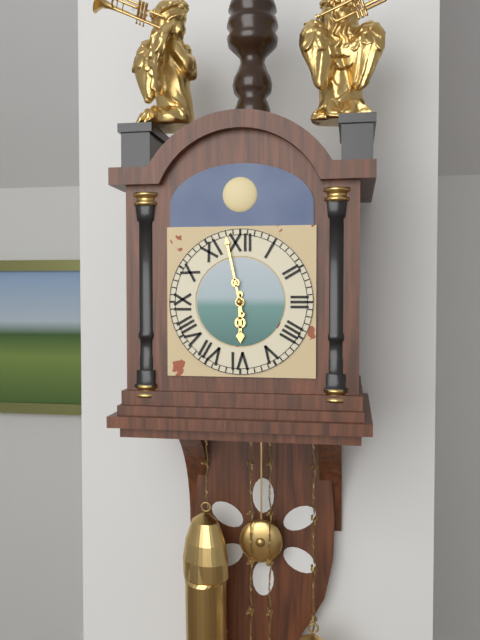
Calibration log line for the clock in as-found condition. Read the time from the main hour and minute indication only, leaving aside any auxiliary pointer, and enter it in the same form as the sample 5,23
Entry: 5,58
